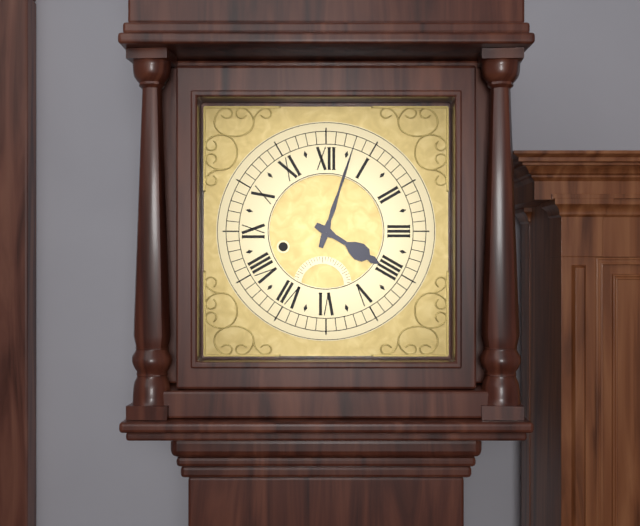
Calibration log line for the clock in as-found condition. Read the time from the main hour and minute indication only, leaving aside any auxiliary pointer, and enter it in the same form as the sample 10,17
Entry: 4,03
